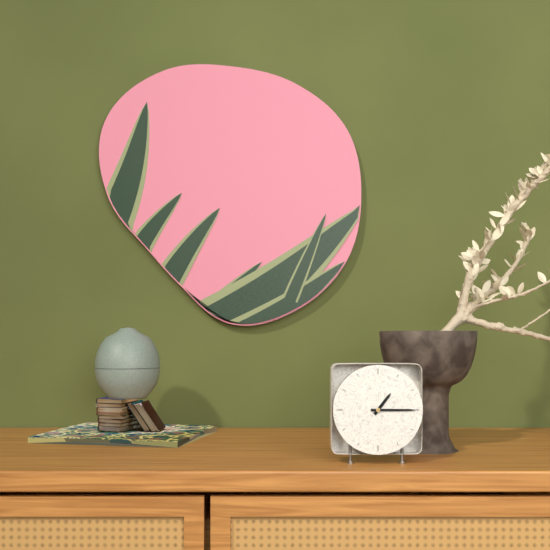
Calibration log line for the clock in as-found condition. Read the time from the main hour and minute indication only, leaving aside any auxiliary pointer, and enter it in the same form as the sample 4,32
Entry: 1,15
